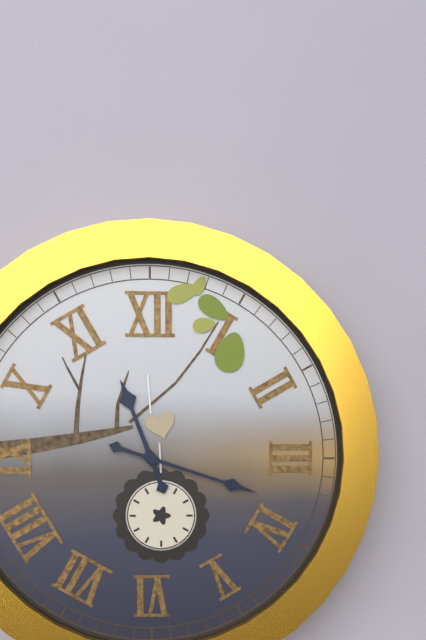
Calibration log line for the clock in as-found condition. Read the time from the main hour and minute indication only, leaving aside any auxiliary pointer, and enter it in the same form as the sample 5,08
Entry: 11,18
